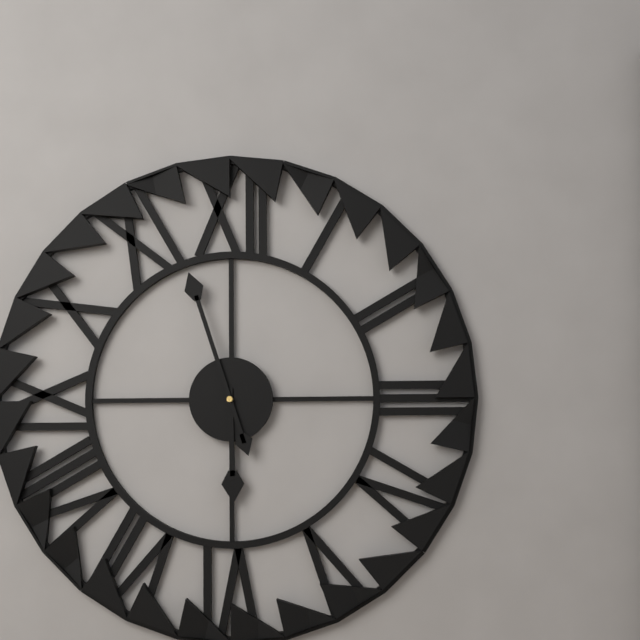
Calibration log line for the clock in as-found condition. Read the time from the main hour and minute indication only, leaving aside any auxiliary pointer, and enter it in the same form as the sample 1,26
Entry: 5,57
